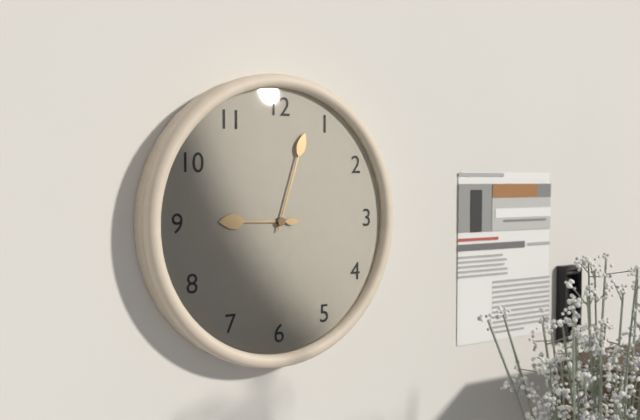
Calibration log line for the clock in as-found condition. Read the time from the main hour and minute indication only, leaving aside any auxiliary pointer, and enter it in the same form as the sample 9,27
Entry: 9,03
